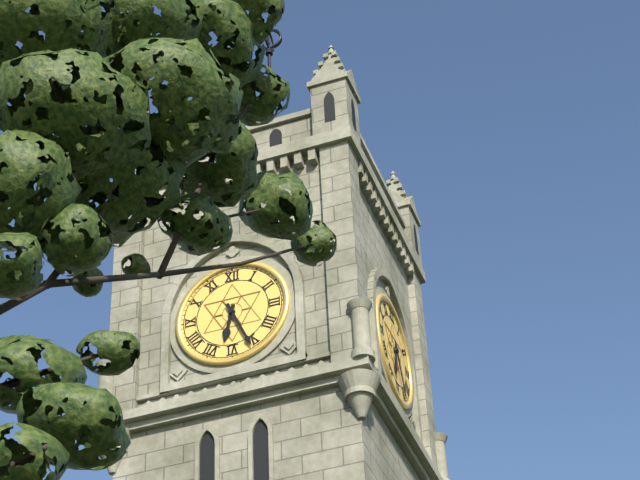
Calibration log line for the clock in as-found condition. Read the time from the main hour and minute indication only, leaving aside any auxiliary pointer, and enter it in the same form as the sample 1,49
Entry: 6,26
